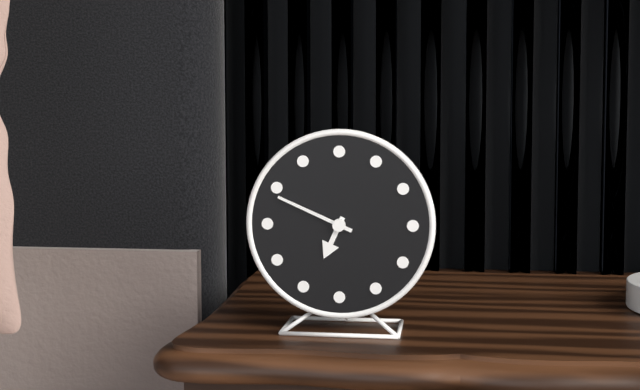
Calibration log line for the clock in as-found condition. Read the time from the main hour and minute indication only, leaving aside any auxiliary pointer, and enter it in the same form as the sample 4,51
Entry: 6,49
